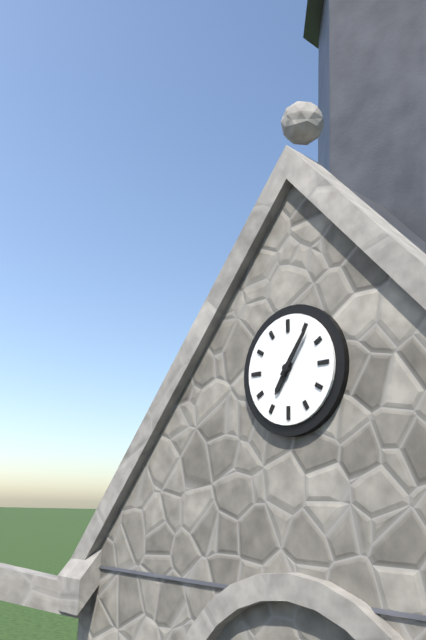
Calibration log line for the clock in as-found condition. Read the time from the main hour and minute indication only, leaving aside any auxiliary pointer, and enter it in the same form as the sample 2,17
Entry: 7,06
